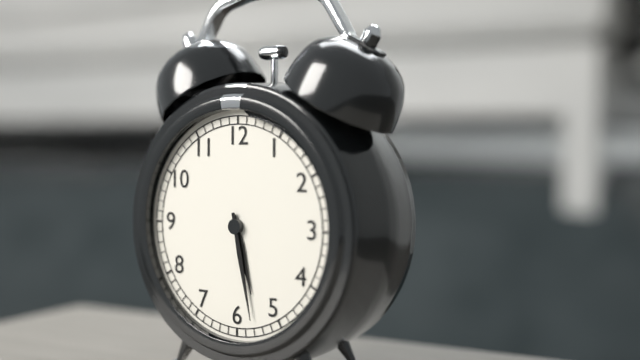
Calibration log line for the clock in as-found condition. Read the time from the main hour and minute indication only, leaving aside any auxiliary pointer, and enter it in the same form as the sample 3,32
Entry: 5,28
